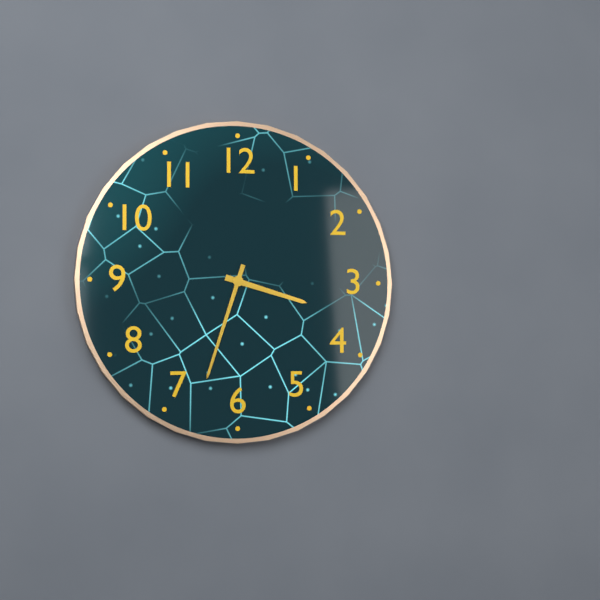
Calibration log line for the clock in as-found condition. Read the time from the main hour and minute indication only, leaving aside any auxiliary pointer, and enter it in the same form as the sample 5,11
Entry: 3,33
